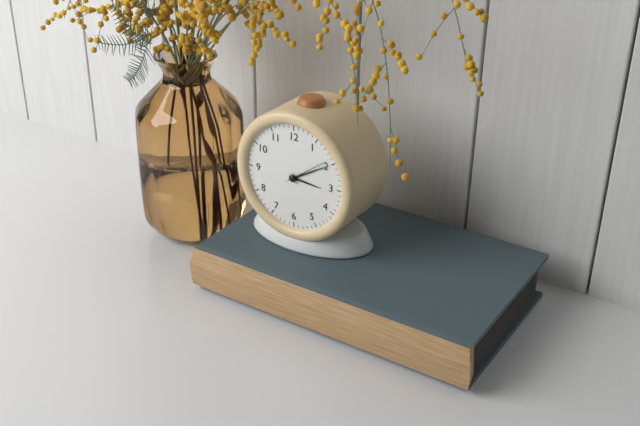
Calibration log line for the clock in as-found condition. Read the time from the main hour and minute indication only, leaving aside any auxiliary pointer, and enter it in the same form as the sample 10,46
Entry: 3,10
